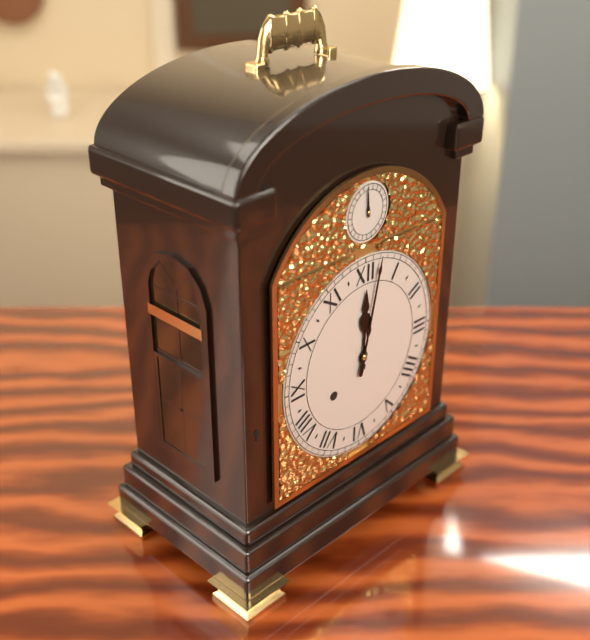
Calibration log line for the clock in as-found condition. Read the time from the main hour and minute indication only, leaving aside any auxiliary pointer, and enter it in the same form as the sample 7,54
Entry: 12,02
